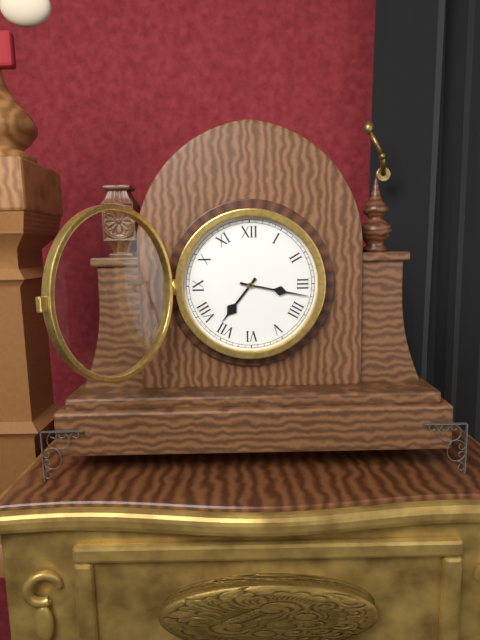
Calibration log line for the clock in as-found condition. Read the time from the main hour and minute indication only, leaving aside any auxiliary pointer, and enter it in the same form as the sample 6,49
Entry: 7,17
